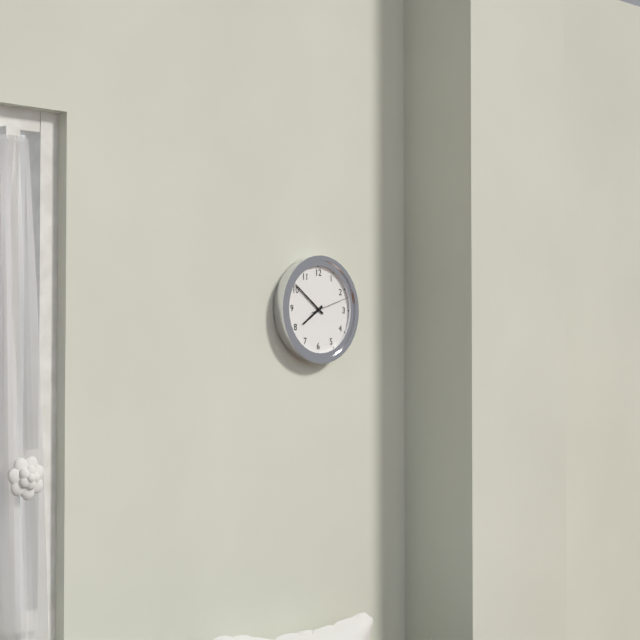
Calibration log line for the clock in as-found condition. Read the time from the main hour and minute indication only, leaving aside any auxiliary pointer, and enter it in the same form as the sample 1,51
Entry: 7,51
